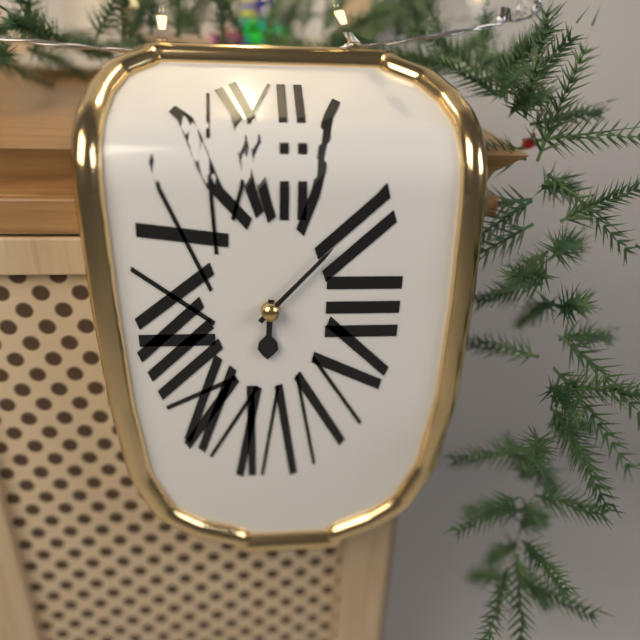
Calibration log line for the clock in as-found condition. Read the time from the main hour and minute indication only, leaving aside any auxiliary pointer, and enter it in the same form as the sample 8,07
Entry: 6,07
